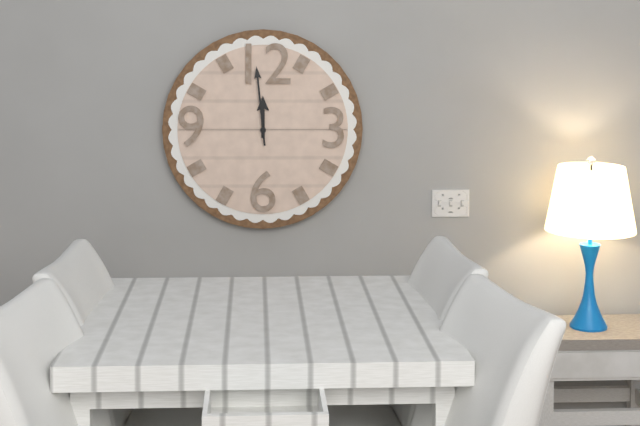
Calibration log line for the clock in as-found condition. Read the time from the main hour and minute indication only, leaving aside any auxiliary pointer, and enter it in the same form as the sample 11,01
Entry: 11,59
